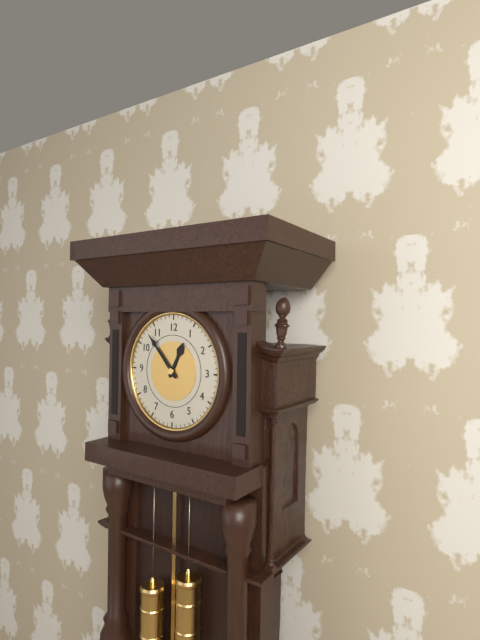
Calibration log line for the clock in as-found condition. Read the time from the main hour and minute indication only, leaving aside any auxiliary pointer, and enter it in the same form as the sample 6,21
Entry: 12,53
